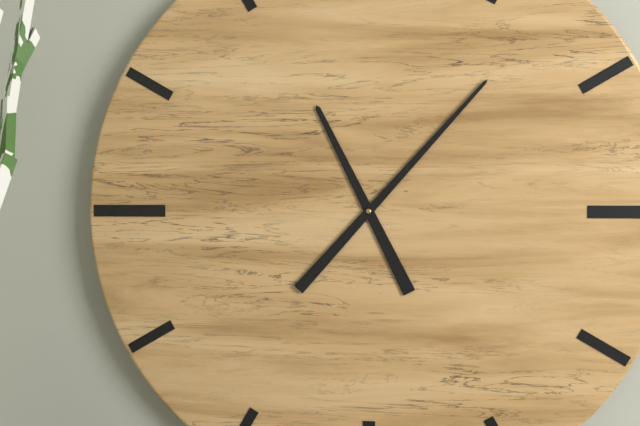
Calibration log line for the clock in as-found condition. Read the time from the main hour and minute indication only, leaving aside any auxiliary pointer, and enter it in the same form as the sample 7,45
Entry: 11,07
